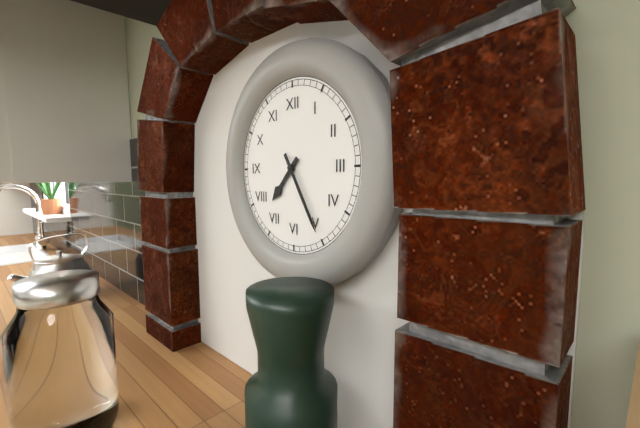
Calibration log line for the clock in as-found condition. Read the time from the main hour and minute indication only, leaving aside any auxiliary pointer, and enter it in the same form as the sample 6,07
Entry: 7,25
